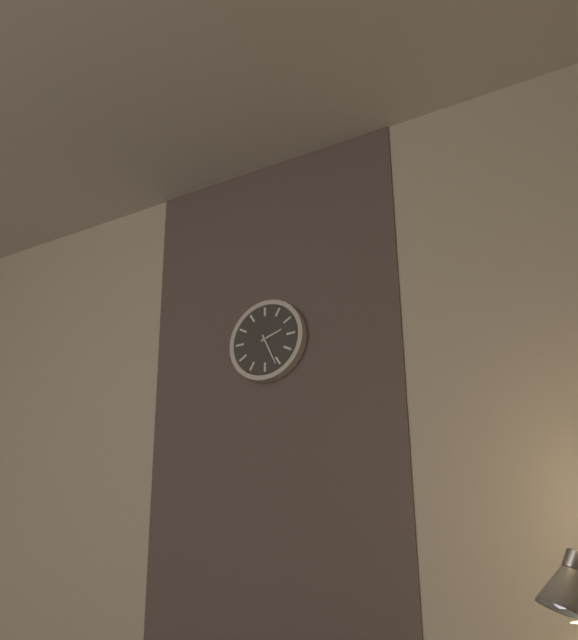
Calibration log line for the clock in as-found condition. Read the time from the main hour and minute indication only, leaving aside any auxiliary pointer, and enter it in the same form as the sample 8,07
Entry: 2,26
